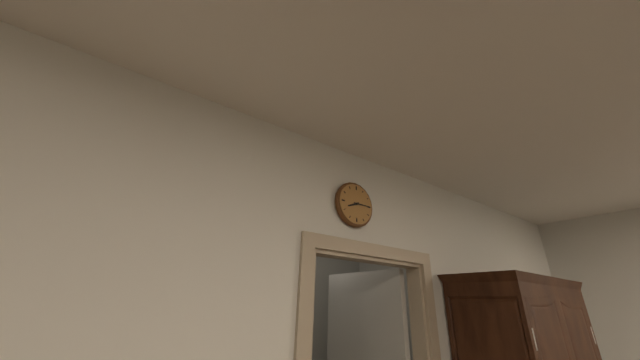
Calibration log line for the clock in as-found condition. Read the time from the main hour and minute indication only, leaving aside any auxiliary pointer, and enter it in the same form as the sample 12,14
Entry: 8,15
